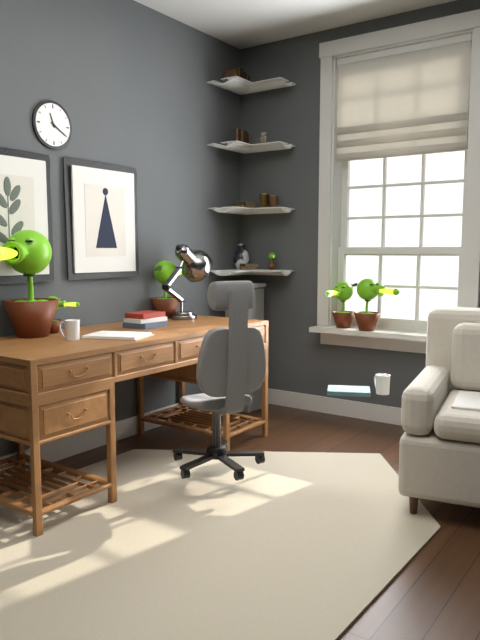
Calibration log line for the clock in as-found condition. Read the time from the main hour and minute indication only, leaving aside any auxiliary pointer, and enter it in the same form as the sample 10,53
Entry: 11,20
